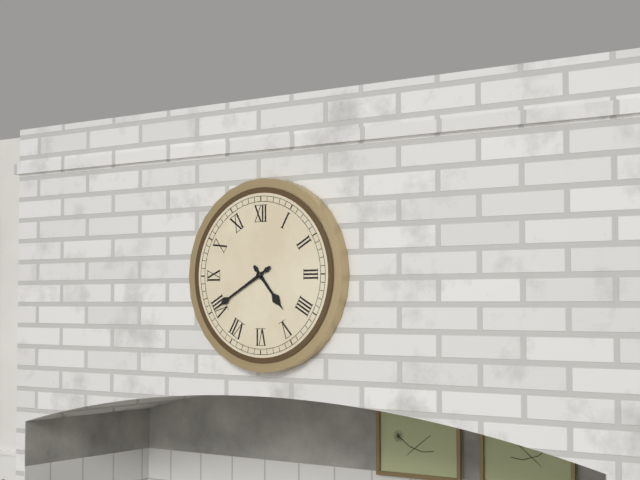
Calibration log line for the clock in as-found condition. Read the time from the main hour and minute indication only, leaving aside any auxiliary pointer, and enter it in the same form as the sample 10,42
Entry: 4,40
